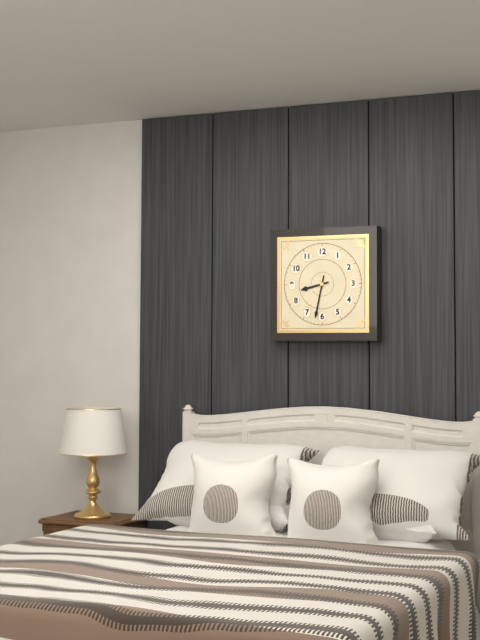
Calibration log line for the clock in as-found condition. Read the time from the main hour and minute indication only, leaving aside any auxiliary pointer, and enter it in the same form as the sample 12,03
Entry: 8,32
